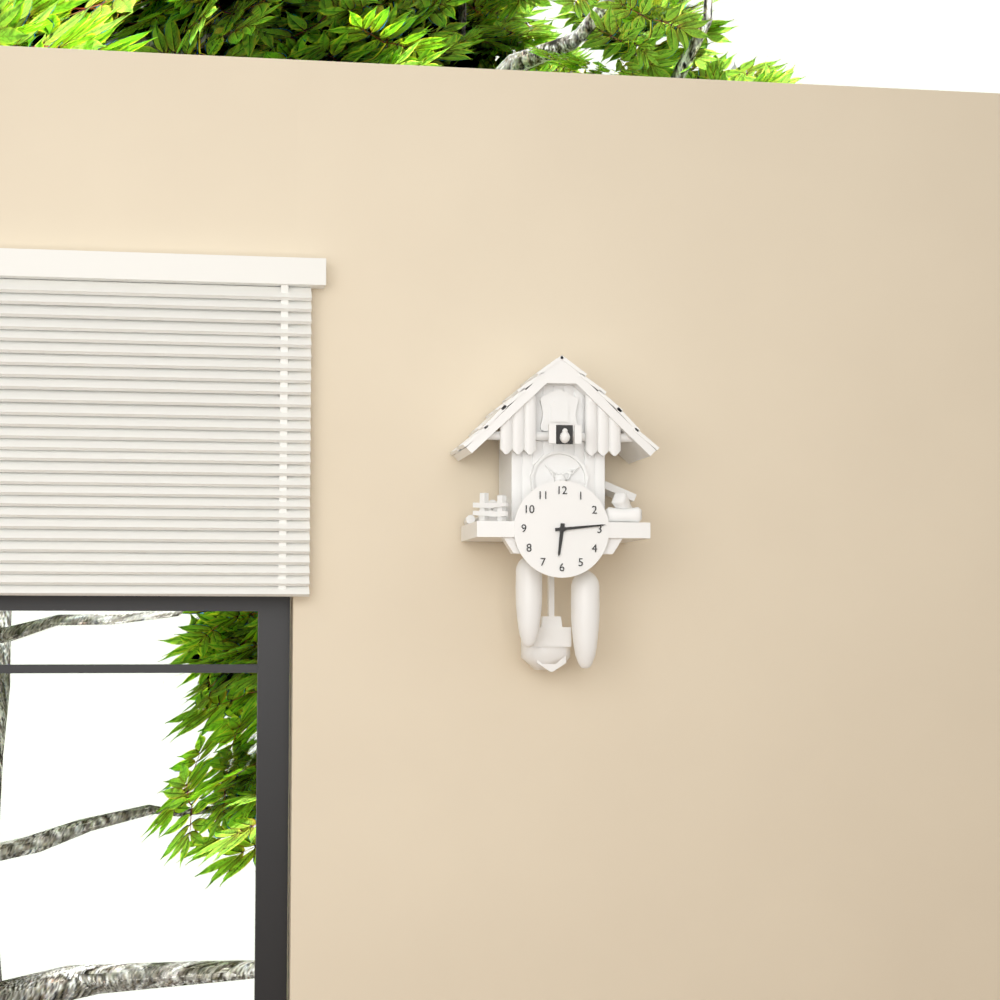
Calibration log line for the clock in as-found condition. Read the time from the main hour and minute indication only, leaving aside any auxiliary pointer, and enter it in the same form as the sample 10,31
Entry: 6,14
